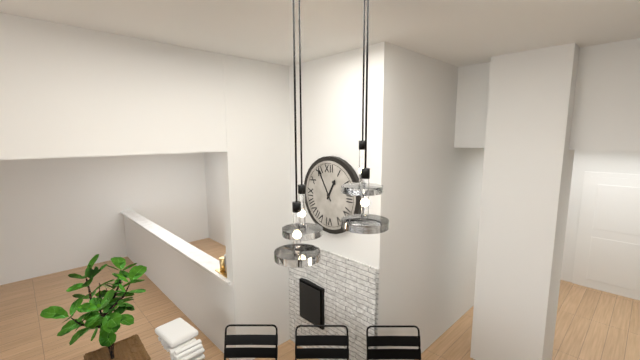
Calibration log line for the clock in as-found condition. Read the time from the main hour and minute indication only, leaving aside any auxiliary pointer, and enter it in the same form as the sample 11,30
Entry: 12,55
